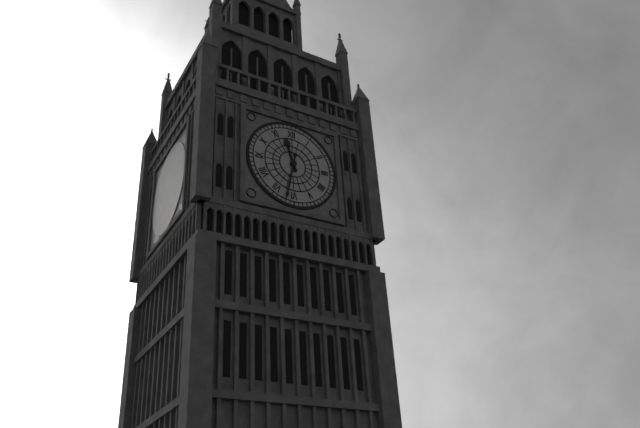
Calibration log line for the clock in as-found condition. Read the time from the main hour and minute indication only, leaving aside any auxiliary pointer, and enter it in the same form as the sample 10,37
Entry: 11,32
